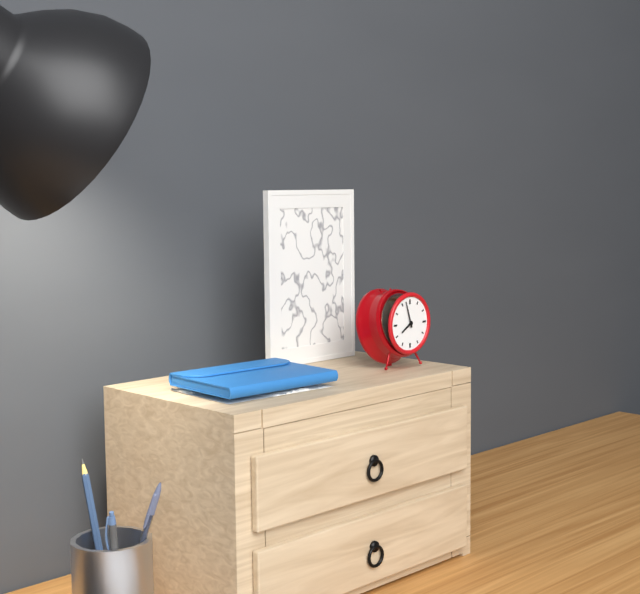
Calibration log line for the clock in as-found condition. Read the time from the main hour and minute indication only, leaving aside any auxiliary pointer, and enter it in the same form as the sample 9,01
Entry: 7,57
